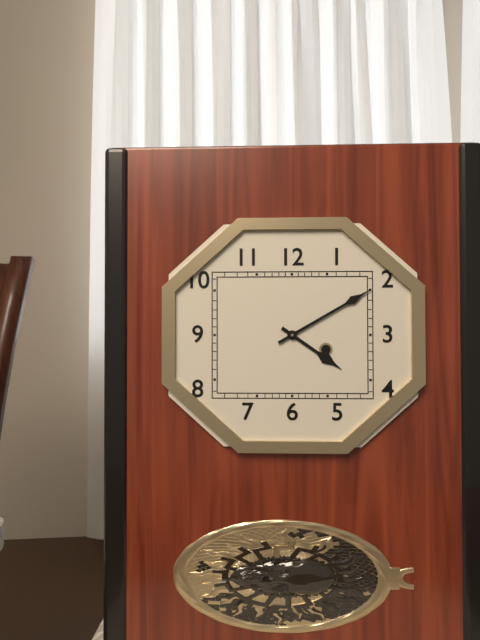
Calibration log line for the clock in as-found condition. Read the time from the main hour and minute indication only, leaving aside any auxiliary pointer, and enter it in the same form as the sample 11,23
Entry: 4,10
